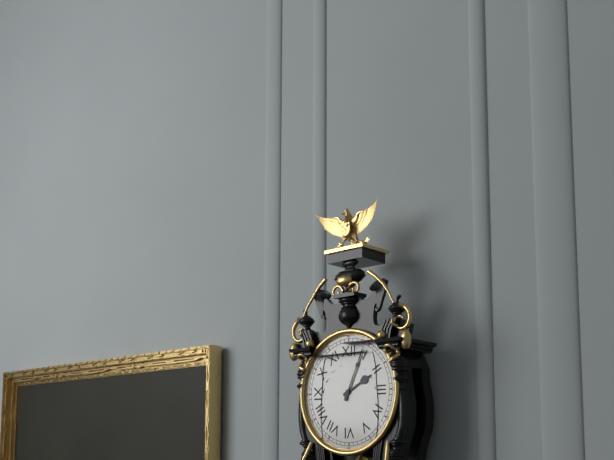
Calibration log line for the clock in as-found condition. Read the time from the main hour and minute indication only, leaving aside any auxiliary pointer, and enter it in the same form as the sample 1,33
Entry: 2,04
